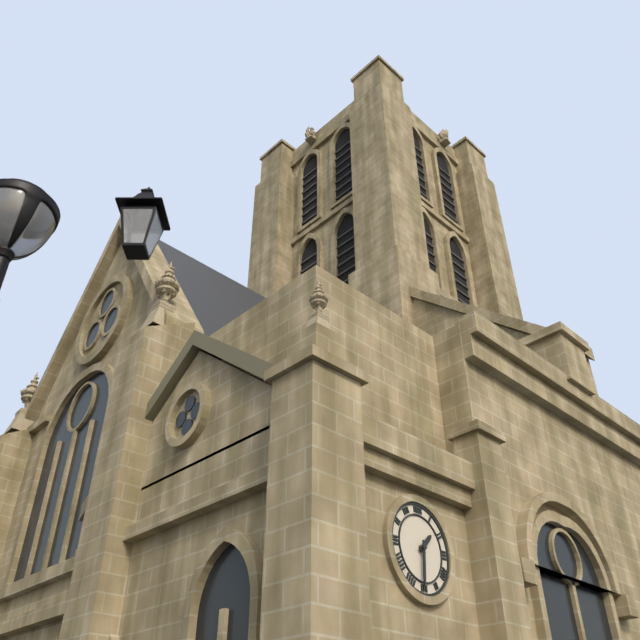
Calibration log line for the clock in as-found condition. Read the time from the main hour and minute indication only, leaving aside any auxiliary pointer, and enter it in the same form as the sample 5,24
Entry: 1,31
